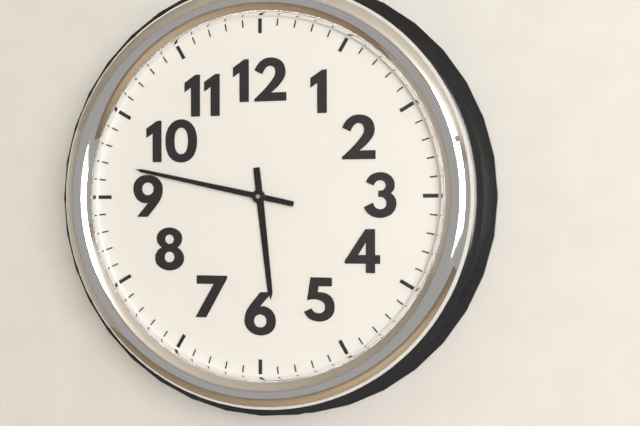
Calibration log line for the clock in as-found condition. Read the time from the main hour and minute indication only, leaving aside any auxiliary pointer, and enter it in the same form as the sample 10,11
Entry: 5,47
